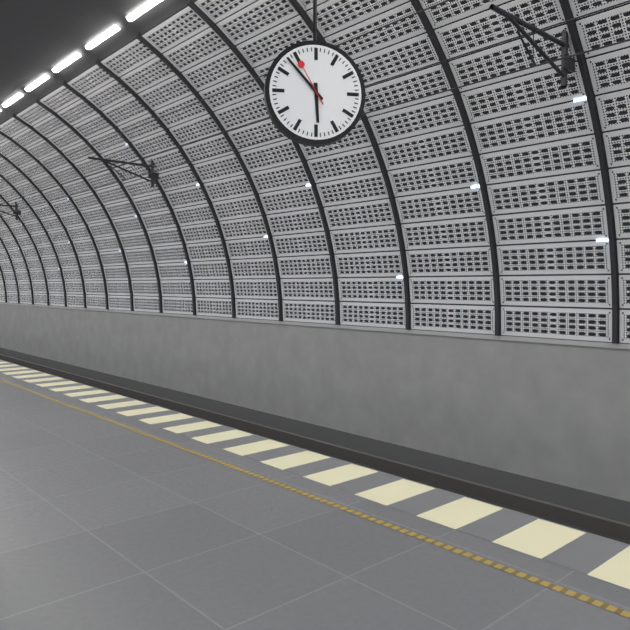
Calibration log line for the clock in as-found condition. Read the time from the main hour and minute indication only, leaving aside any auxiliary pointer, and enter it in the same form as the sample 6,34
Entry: 5,53
